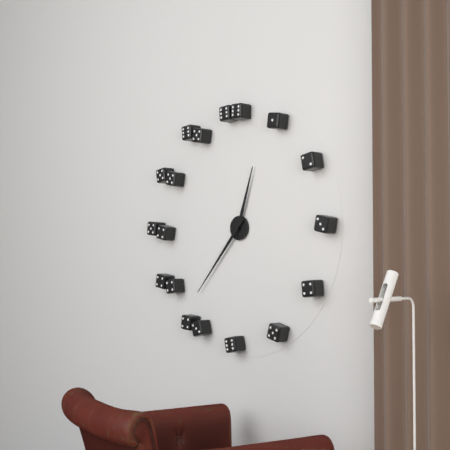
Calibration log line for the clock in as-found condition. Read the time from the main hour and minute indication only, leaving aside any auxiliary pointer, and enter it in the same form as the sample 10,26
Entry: 12,37
